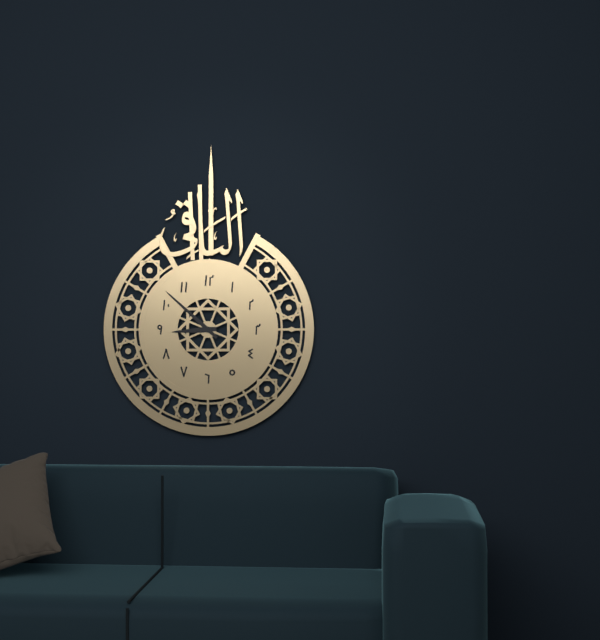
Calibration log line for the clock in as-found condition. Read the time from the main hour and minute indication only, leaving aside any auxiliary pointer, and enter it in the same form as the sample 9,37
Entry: 8,52
